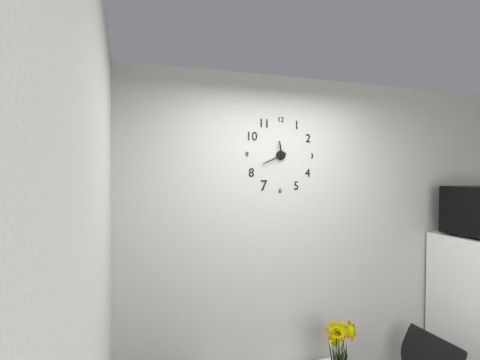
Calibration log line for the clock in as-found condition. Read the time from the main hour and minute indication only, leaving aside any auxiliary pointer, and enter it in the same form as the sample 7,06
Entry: 11,41
